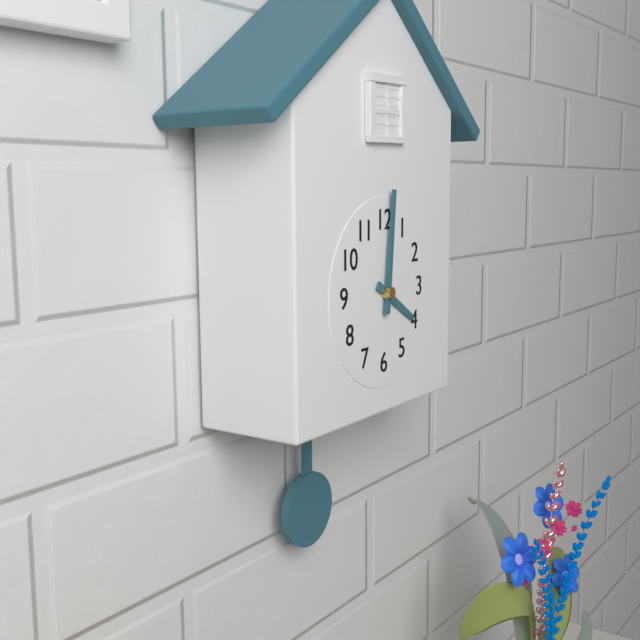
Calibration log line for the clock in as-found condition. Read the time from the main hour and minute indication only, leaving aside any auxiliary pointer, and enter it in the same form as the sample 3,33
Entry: 4,01
